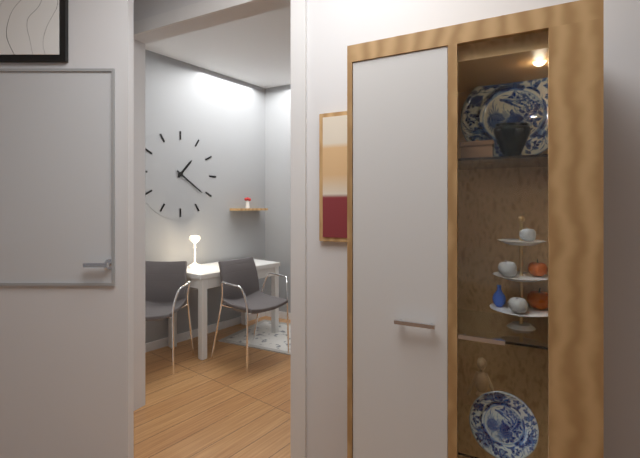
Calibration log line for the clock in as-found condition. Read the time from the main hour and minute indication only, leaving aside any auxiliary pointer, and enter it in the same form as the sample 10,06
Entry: 1,21
